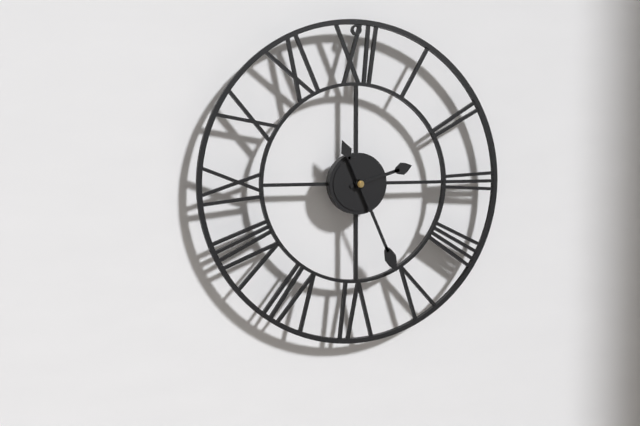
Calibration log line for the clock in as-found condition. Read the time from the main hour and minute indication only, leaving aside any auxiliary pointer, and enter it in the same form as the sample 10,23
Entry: 2,26
